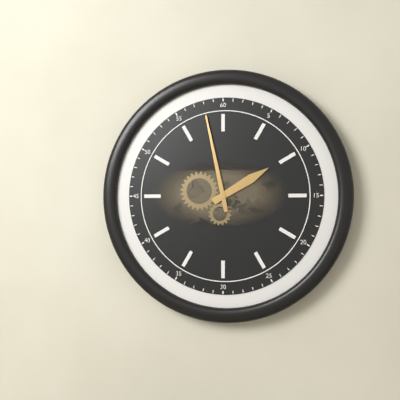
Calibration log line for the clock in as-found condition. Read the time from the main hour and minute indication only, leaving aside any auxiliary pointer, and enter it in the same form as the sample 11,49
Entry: 1,58
